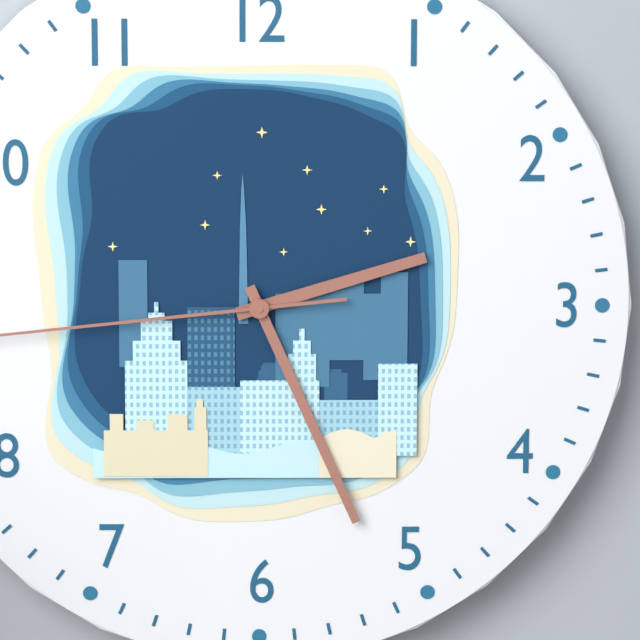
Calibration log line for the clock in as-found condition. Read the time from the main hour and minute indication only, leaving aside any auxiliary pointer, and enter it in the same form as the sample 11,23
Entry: 2,26
